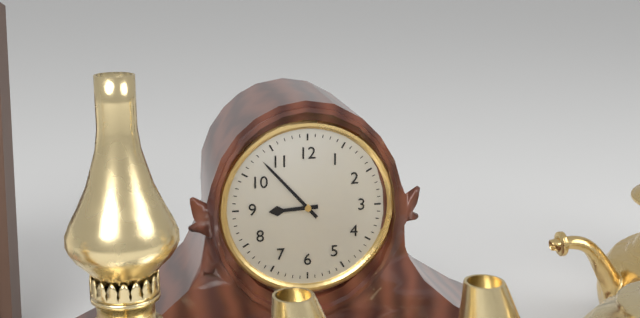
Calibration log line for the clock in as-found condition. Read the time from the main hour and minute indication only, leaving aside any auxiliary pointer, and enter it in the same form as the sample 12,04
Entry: 8,53
